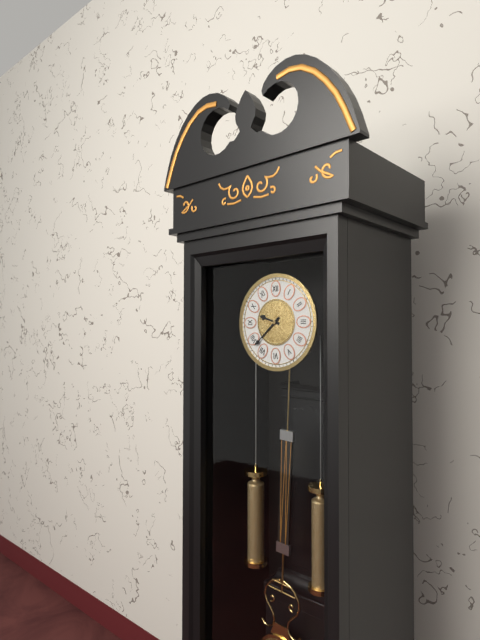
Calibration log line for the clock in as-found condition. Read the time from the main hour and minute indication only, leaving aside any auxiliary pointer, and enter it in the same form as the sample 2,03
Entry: 9,38
